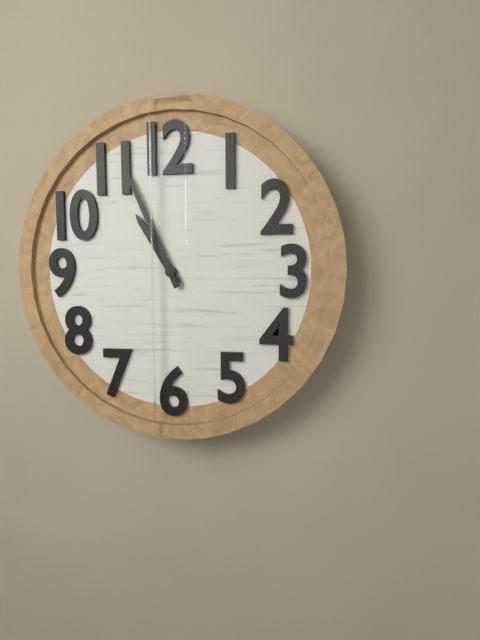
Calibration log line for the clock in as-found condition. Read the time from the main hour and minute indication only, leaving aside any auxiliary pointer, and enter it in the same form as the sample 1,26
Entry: 10,56
